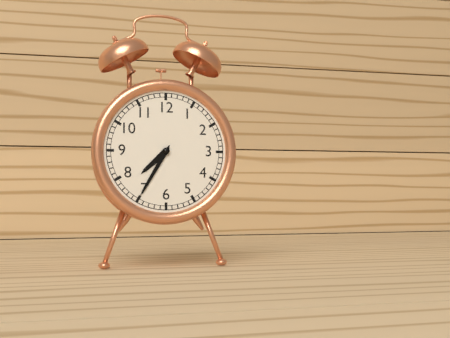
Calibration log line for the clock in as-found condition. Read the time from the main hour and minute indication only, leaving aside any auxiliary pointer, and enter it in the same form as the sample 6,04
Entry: 7,35
